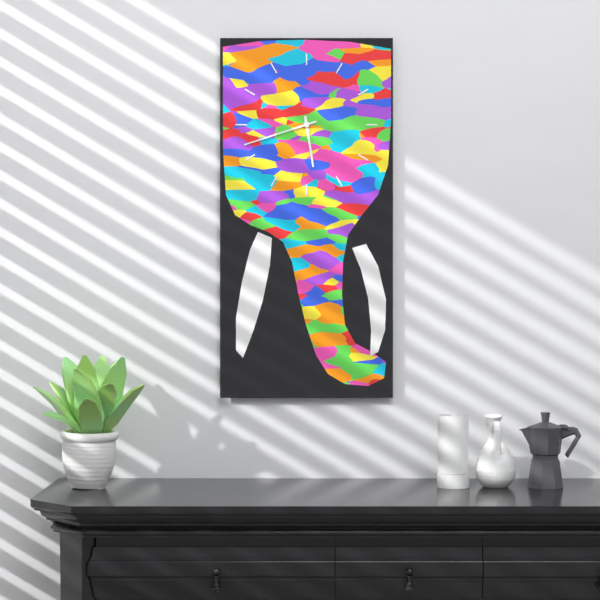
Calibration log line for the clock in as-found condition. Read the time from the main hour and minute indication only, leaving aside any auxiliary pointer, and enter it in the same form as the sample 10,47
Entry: 5,42
